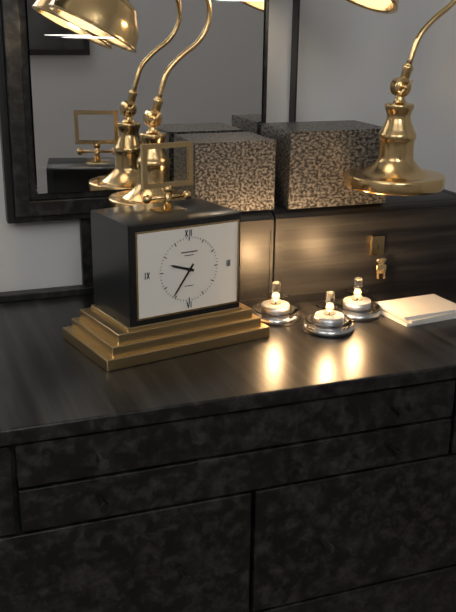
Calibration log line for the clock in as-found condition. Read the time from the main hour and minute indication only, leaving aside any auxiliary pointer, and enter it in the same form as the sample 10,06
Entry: 9,36
